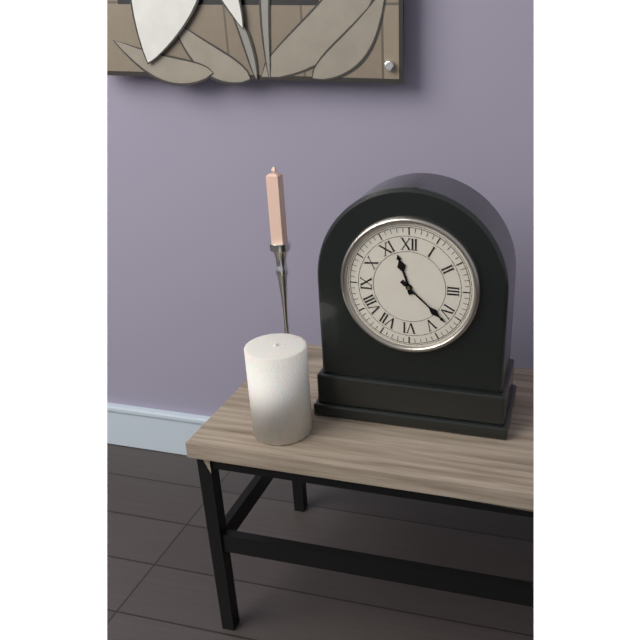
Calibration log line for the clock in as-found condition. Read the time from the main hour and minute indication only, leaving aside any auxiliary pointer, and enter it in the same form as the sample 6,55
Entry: 11,22
